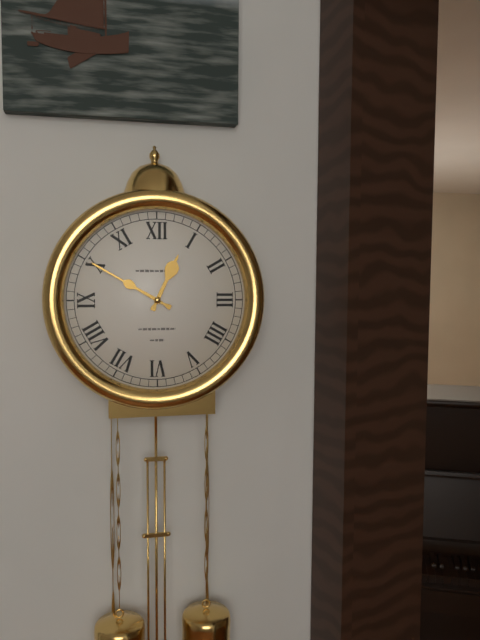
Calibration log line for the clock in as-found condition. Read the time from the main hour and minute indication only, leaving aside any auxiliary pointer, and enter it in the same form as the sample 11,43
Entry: 12,50
